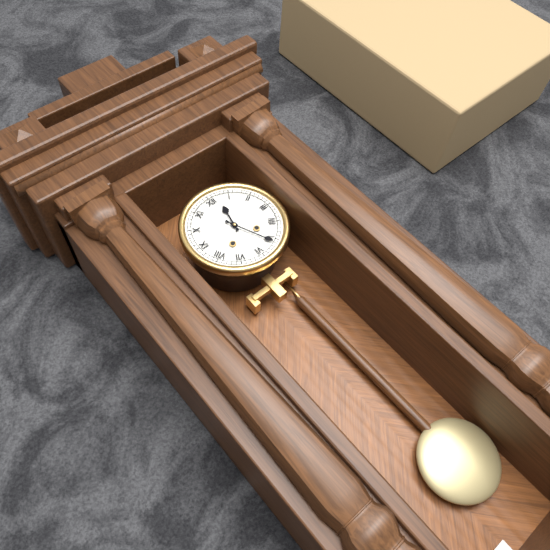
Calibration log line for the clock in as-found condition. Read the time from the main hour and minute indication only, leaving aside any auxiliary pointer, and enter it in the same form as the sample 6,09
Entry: 12,26
